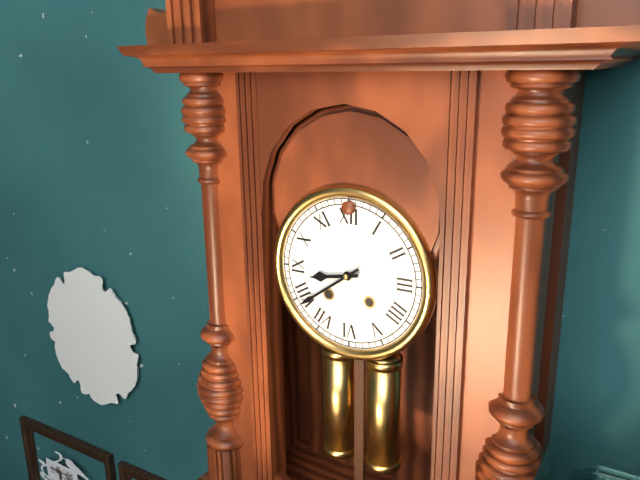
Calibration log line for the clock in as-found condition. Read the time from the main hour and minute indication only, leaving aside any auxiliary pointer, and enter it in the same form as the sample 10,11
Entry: 8,39
